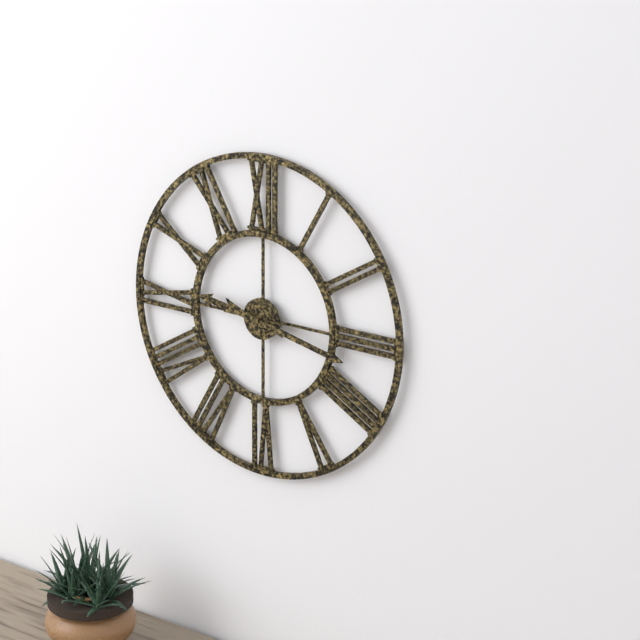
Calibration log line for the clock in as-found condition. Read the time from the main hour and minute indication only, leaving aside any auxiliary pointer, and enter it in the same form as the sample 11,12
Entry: 9,17
